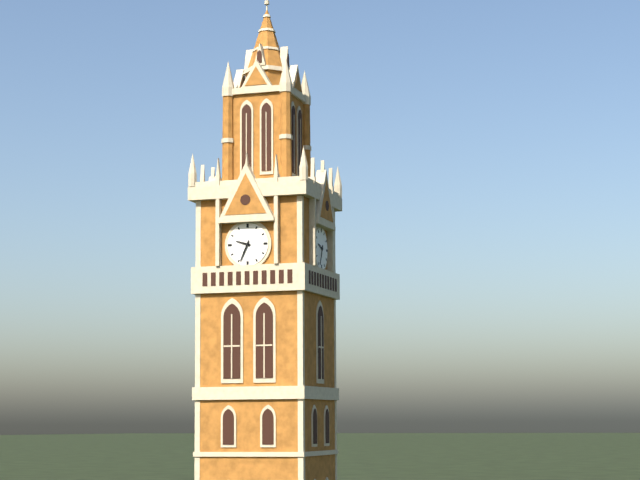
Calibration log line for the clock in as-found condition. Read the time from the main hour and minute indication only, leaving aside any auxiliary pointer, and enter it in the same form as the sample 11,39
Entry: 9,34
